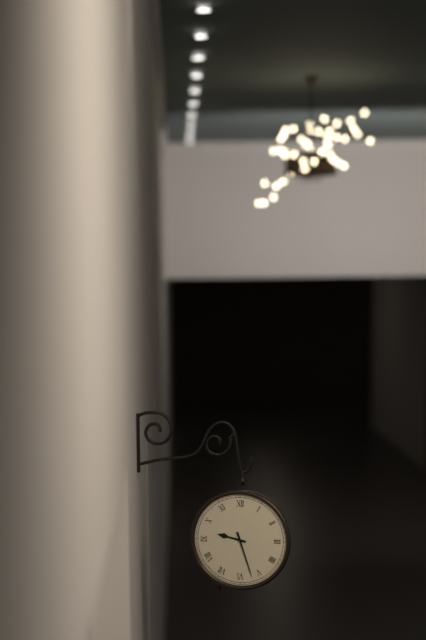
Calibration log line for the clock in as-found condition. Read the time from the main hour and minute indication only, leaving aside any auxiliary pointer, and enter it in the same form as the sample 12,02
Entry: 9,27
